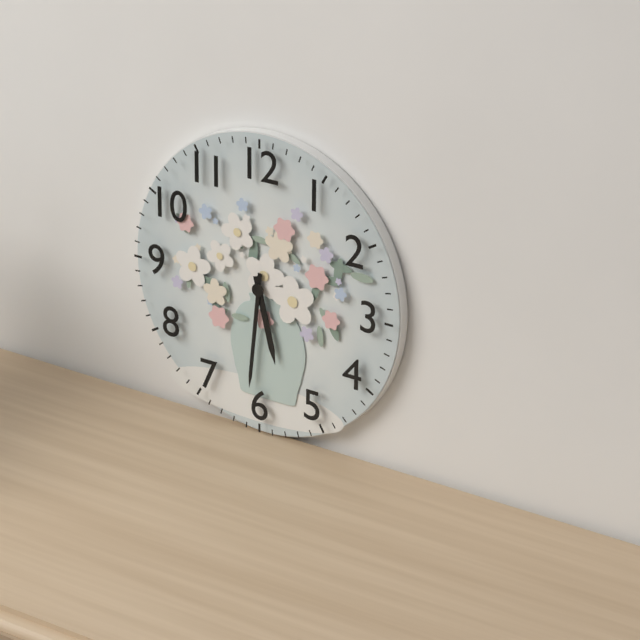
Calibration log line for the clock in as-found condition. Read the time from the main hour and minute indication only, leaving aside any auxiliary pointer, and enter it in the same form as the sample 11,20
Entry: 5,31
